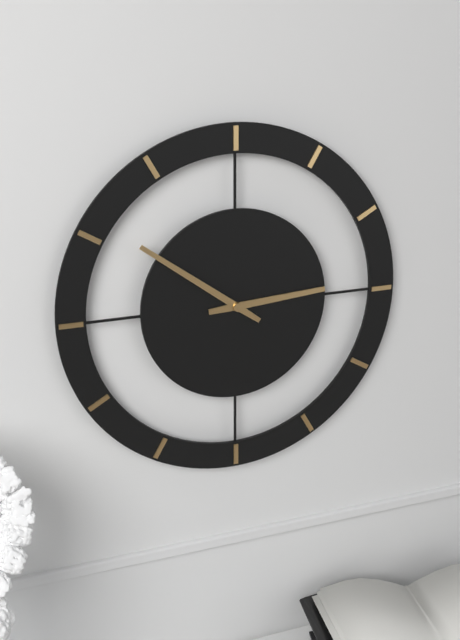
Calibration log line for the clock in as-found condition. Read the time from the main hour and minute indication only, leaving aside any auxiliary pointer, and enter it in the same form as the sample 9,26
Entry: 2,51
